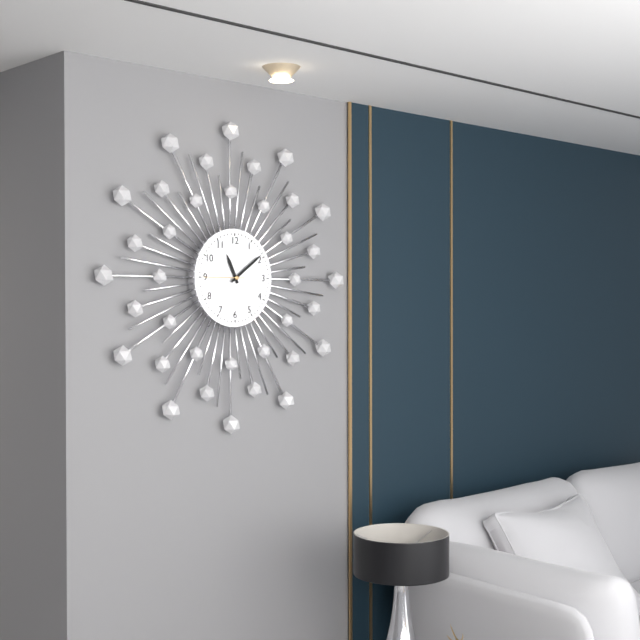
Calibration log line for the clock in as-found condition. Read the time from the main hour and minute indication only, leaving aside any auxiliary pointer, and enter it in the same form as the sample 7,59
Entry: 11,09
